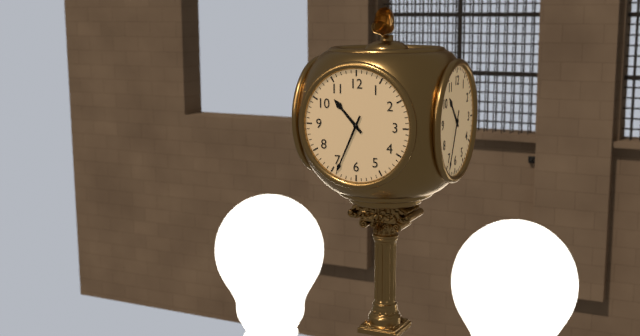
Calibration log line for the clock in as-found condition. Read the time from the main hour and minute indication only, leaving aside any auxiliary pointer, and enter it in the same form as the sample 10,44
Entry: 10,34
